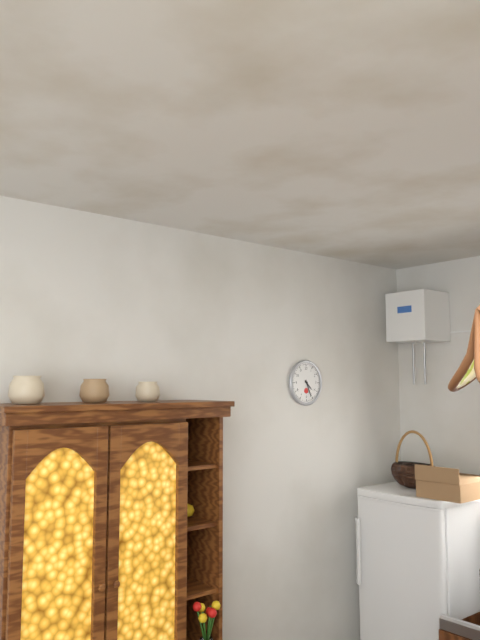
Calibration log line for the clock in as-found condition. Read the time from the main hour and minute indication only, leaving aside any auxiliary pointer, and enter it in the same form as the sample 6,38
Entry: 4,26
